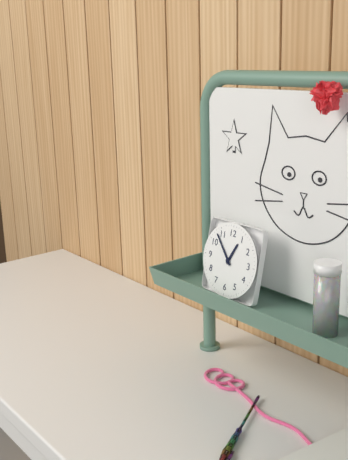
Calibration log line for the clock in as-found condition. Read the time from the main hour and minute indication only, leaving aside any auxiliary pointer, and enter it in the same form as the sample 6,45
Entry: 12,53
